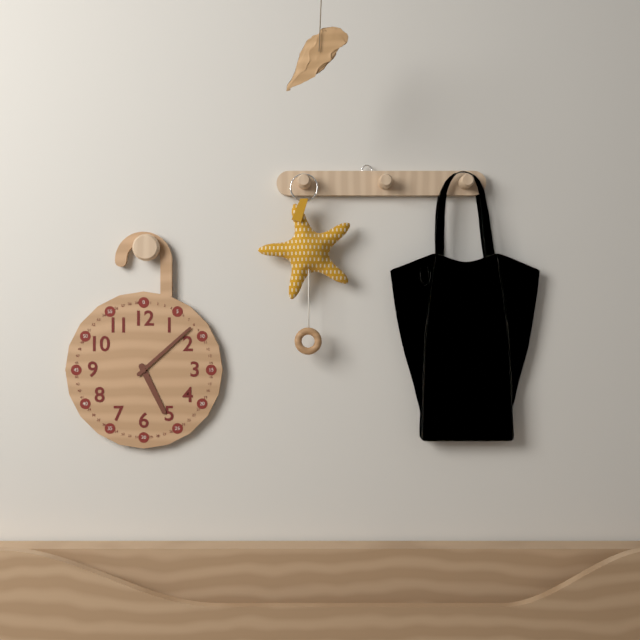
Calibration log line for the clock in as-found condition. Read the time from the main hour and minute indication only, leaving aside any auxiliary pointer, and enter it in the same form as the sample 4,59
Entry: 5,08
